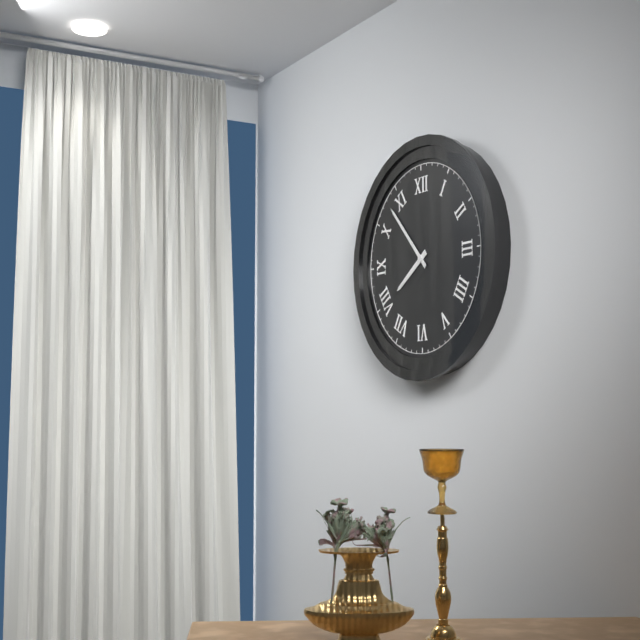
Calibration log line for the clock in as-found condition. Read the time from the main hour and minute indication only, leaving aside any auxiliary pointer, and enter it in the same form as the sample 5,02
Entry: 7,53
